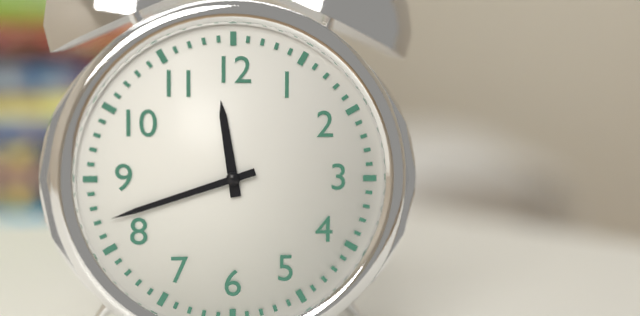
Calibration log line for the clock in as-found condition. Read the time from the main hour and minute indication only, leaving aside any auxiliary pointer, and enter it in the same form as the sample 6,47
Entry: 11,42
